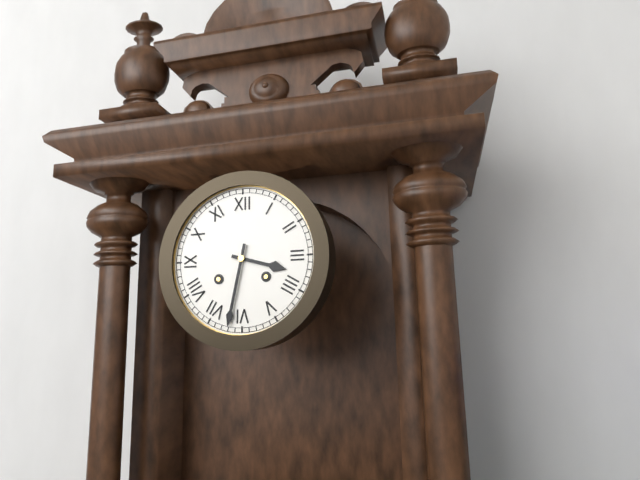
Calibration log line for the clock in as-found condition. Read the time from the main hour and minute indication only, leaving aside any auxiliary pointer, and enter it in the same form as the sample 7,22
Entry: 3,32
